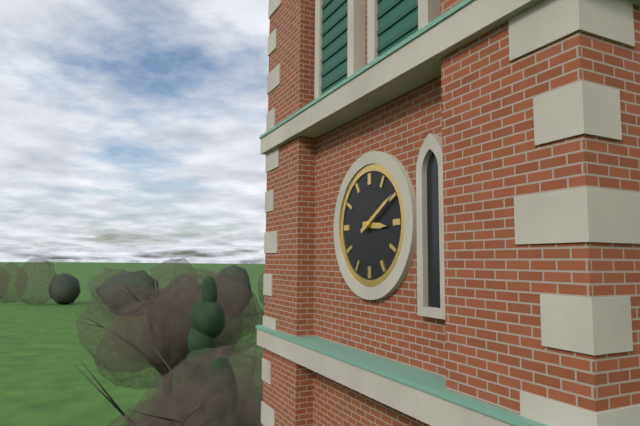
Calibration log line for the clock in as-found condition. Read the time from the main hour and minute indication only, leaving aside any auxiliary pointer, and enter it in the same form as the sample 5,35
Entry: 3,10
